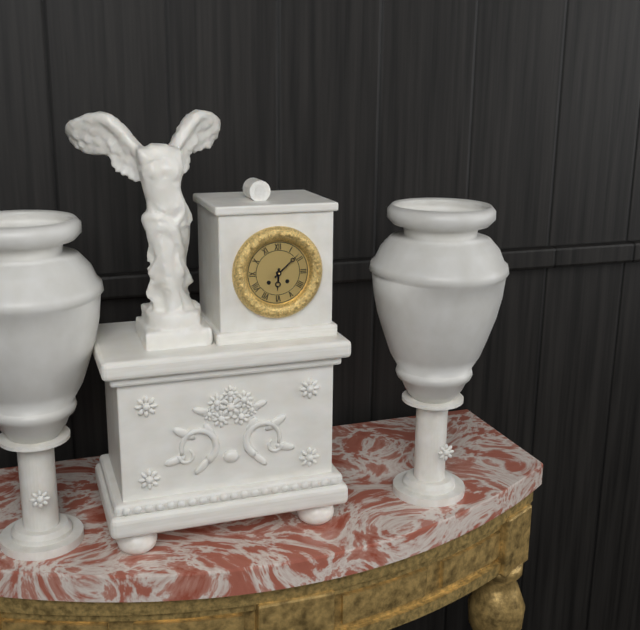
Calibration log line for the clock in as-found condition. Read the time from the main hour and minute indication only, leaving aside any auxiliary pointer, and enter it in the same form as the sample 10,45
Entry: 6,08
